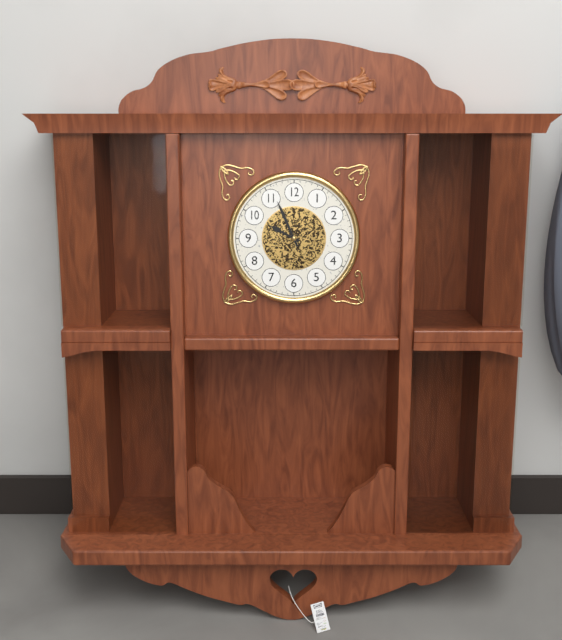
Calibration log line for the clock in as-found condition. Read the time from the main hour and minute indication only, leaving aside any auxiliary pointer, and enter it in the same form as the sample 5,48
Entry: 9,56
